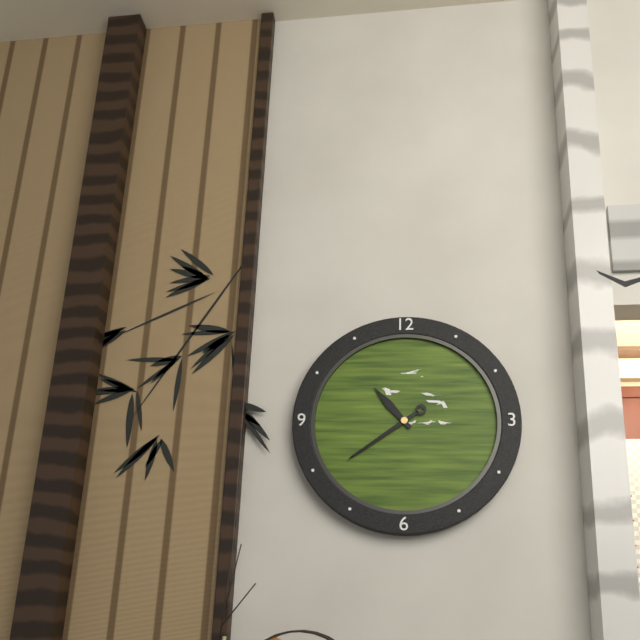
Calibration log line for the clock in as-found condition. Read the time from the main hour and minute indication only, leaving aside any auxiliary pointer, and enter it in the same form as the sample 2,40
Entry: 10,39
